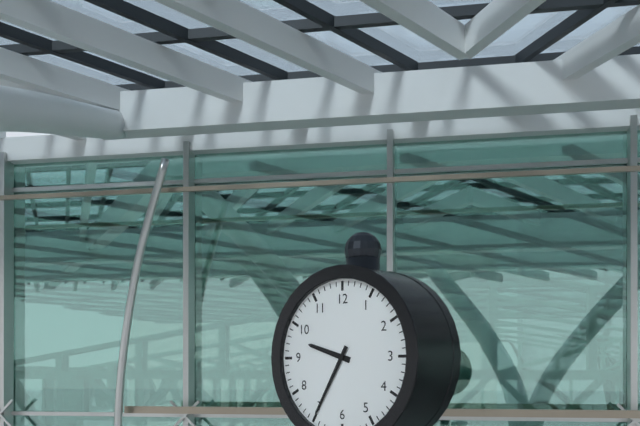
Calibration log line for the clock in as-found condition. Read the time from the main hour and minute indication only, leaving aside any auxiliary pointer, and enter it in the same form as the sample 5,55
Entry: 9,35
